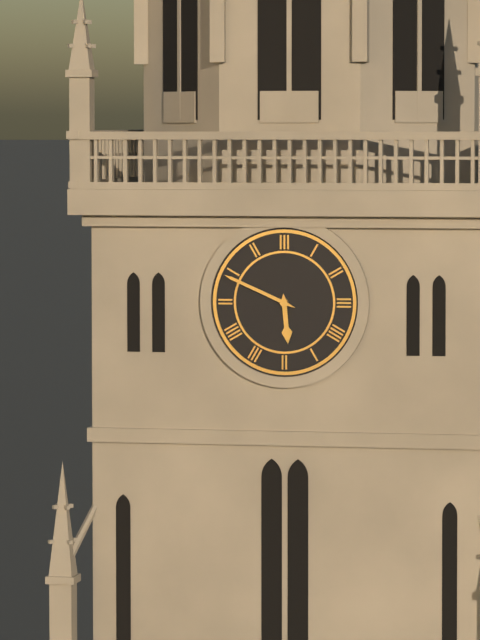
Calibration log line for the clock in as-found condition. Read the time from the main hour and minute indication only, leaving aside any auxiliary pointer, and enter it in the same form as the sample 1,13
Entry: 5,49
